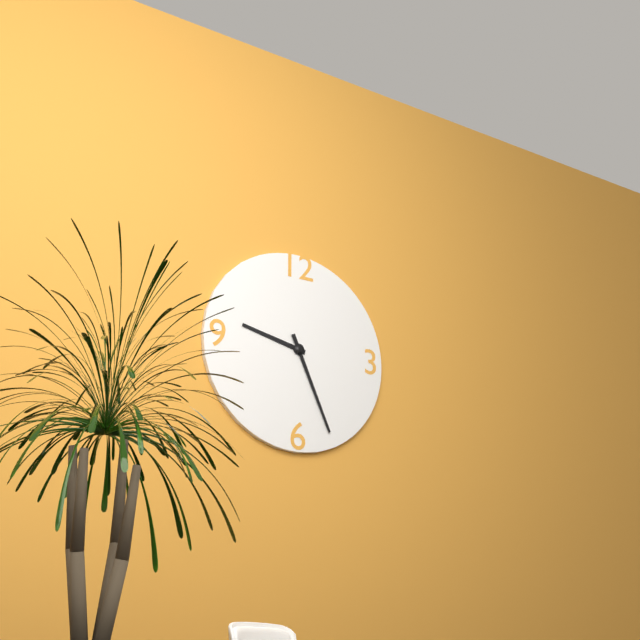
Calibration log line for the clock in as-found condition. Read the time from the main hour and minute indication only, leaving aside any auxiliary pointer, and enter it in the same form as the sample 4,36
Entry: 9,26
